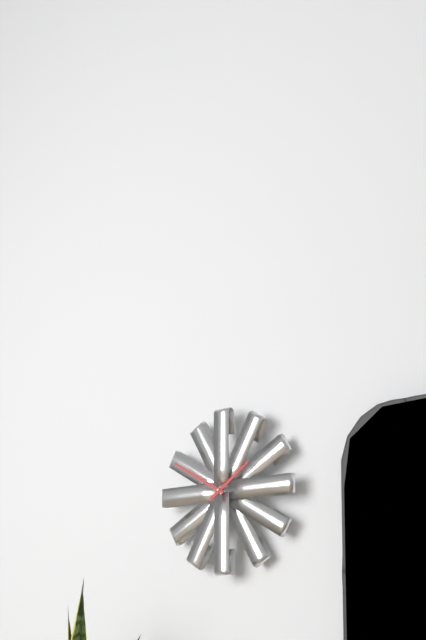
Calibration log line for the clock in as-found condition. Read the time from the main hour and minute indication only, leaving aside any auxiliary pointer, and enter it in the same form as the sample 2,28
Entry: 1,50
